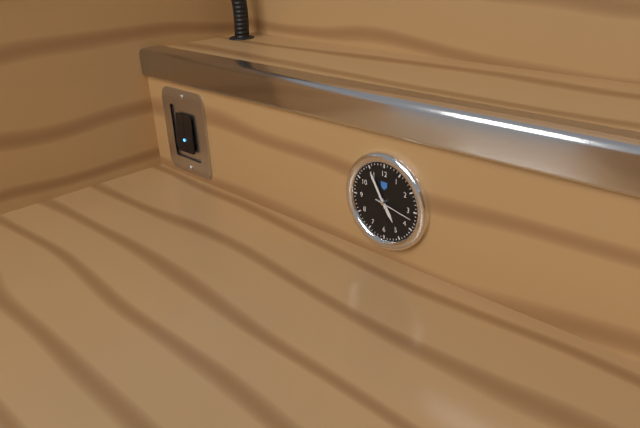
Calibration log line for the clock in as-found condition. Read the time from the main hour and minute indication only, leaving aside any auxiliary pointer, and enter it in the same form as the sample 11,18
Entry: 4,55
